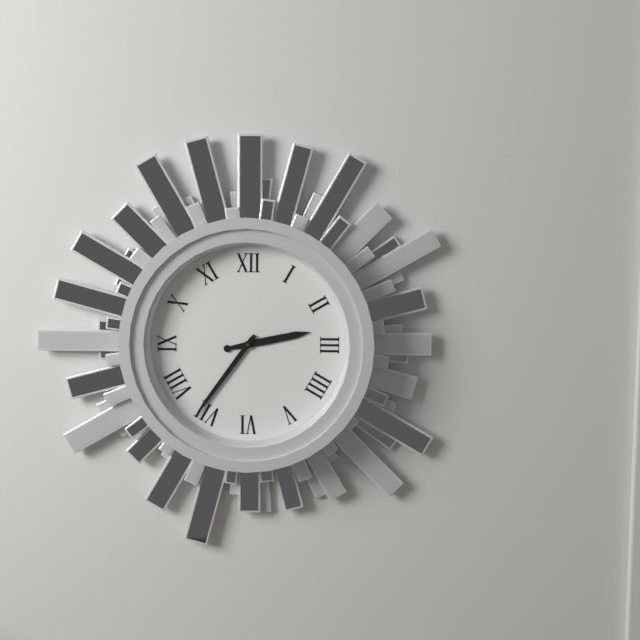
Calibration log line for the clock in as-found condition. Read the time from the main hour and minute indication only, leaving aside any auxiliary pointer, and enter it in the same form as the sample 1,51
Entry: 2,36
